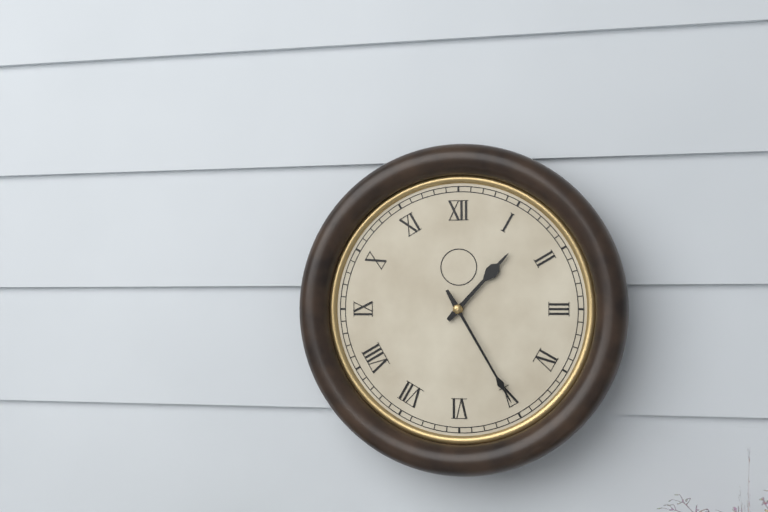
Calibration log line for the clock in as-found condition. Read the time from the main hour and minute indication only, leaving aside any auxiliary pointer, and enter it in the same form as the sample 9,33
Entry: 1,25
